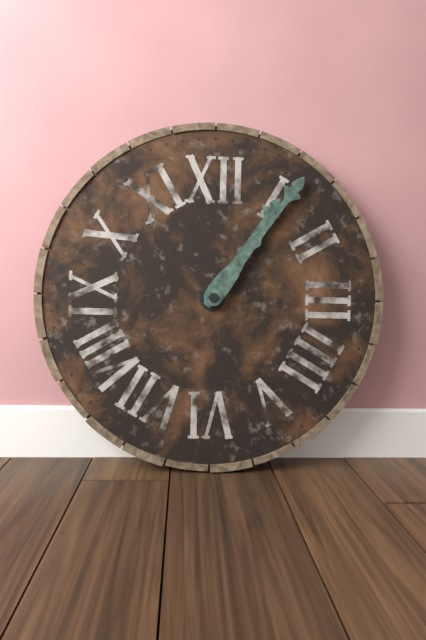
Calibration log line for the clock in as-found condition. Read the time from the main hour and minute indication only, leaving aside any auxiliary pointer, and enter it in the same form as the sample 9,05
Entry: 1,06
